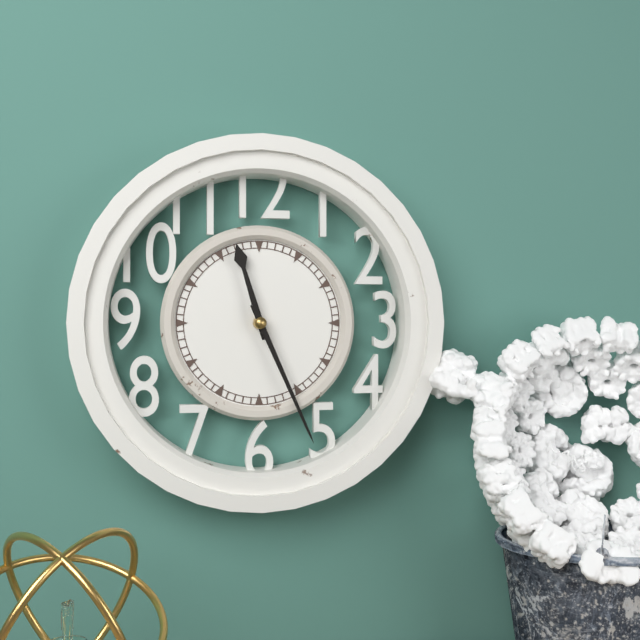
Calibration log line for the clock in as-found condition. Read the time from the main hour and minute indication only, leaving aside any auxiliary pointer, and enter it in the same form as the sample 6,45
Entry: 11,26
